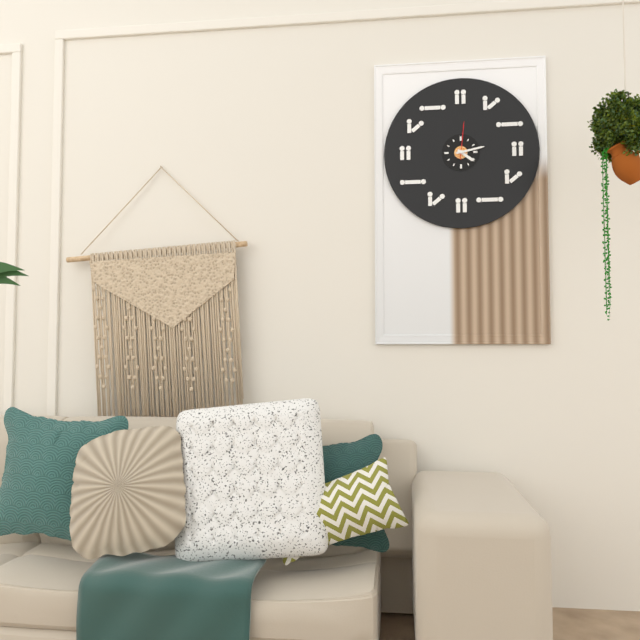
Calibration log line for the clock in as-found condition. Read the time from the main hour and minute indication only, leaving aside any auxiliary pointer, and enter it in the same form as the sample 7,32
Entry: 4,13
